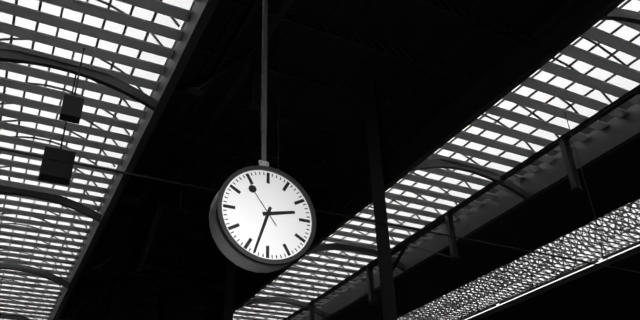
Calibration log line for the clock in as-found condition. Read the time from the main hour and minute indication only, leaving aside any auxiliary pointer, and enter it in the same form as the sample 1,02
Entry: 2,33
